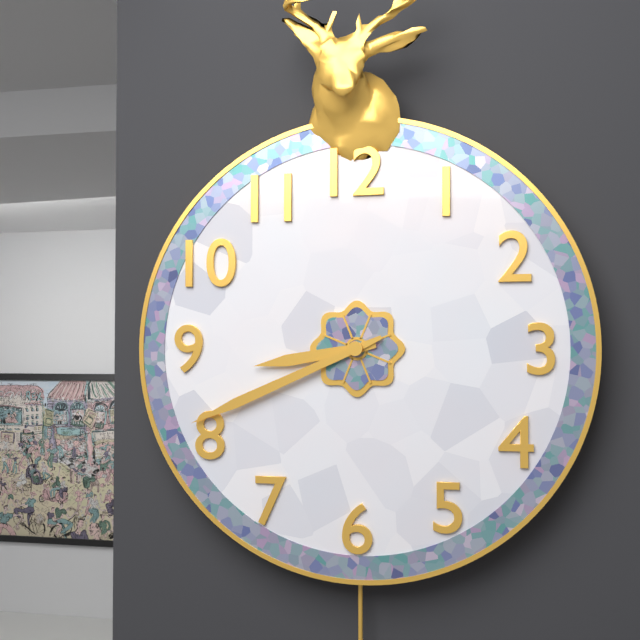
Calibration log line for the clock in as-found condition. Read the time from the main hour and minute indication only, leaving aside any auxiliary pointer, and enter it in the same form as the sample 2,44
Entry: 8,41
